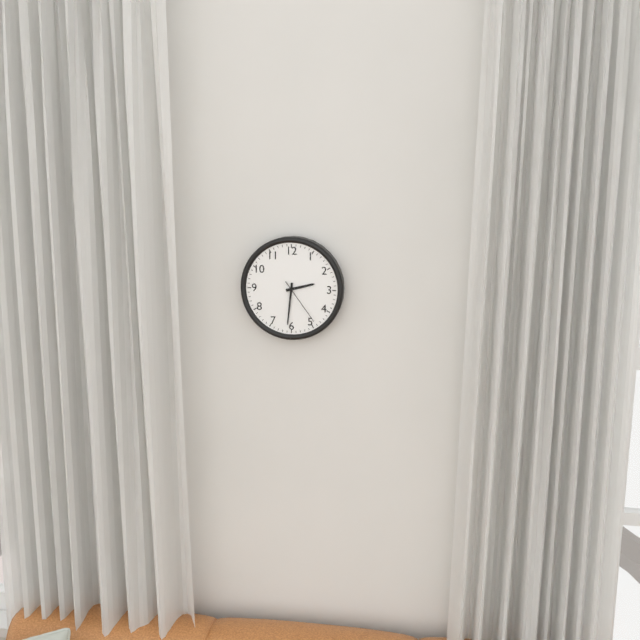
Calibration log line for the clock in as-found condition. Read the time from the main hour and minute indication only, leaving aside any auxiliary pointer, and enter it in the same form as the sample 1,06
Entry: 2,31
